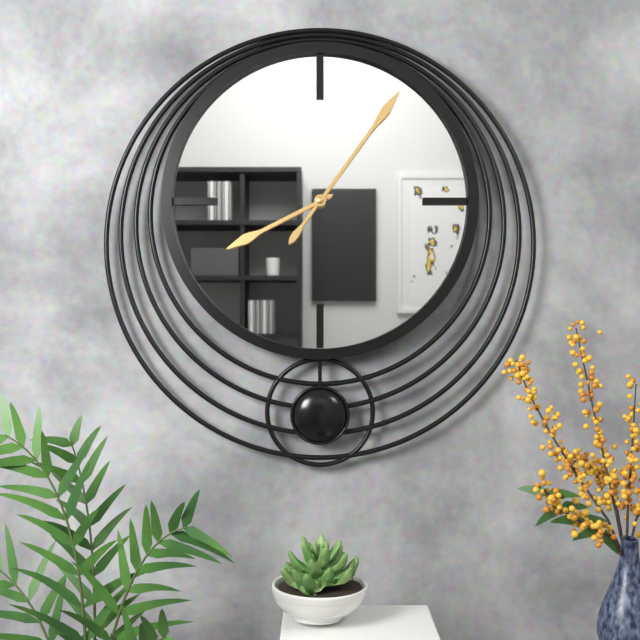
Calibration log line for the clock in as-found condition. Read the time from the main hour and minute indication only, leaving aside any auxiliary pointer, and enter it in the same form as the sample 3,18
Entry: 8,06
